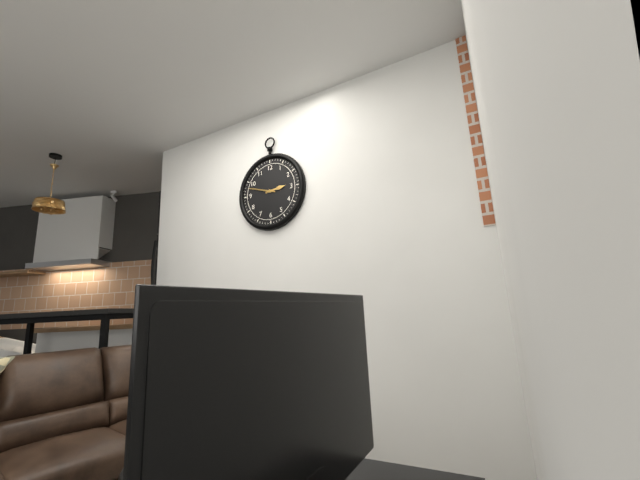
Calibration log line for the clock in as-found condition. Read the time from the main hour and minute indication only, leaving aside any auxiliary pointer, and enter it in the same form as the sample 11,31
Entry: 2,48
